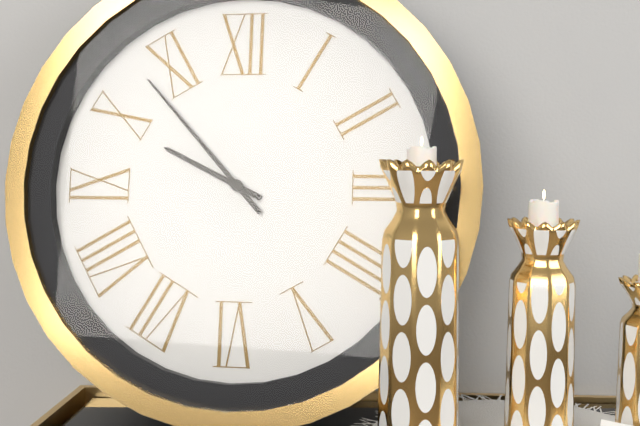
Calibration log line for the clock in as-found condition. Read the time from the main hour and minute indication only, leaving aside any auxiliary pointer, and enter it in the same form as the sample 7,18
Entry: 9,53
